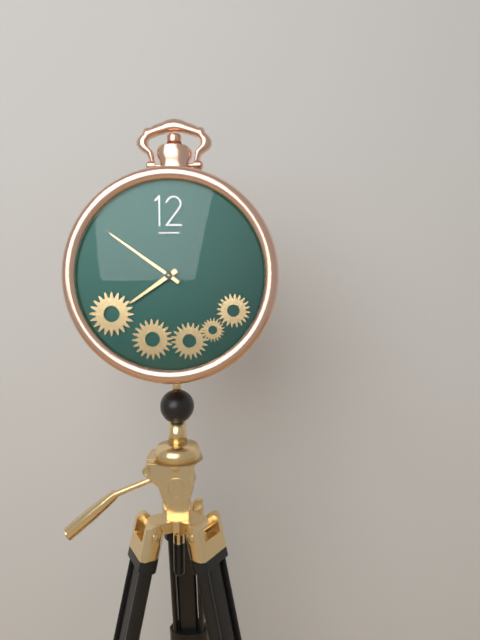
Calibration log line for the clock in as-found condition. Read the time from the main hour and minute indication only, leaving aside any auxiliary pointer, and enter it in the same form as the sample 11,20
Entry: 7,51
